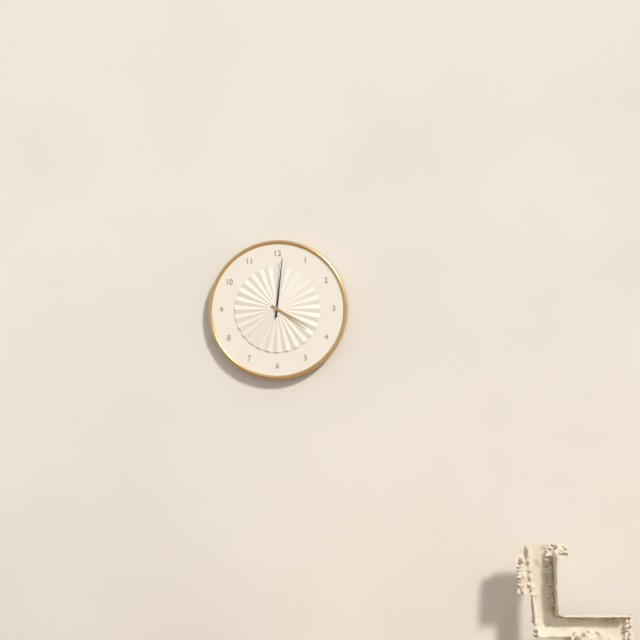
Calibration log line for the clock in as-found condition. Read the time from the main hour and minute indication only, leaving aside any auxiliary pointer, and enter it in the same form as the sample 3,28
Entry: 4,01
